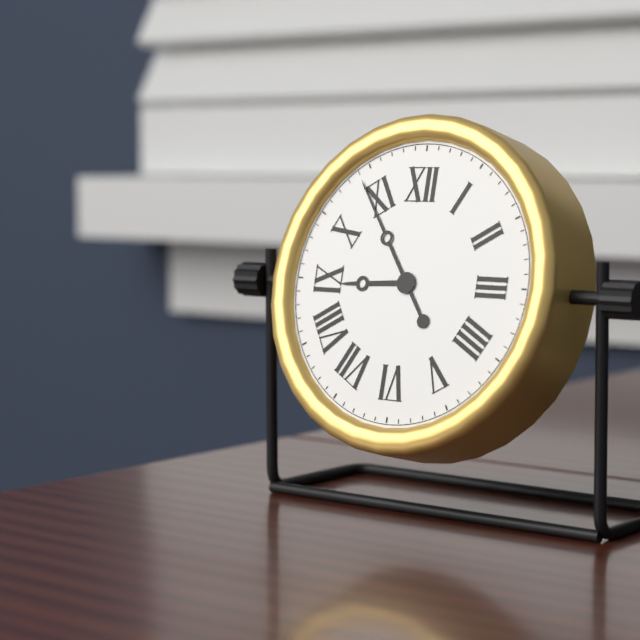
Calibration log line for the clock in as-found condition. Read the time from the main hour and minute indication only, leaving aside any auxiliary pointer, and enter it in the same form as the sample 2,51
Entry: 8,54
